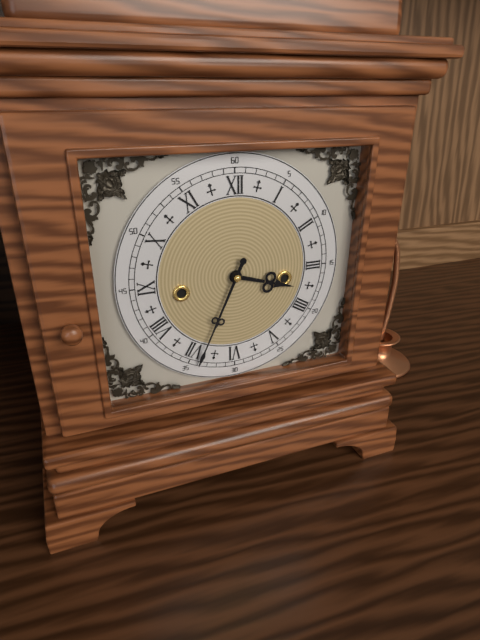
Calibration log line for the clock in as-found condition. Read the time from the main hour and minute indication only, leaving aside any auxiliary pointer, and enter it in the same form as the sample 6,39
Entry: 3,34
